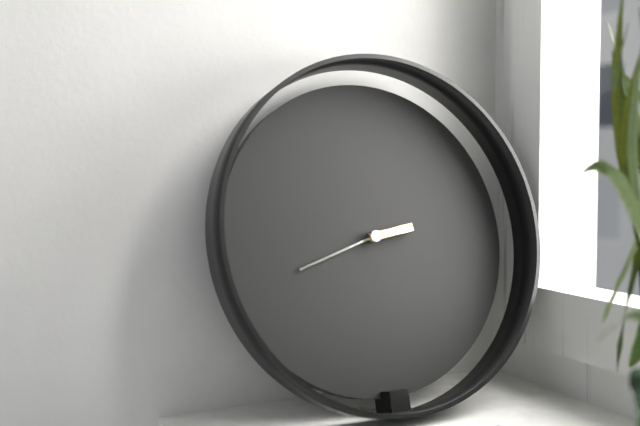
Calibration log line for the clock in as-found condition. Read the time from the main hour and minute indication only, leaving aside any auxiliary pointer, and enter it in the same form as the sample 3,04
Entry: 2,42
